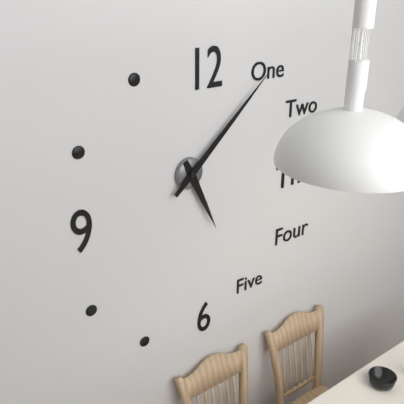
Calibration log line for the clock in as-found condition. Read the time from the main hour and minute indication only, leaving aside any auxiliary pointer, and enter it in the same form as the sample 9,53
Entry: 5,08
